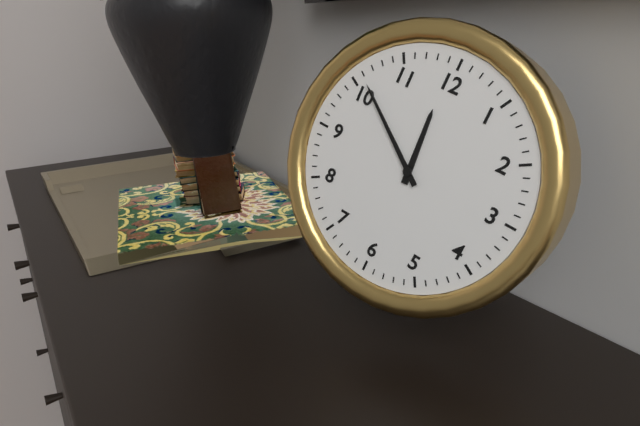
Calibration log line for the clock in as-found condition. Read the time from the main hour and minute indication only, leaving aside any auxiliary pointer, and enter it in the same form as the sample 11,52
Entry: 11,51
